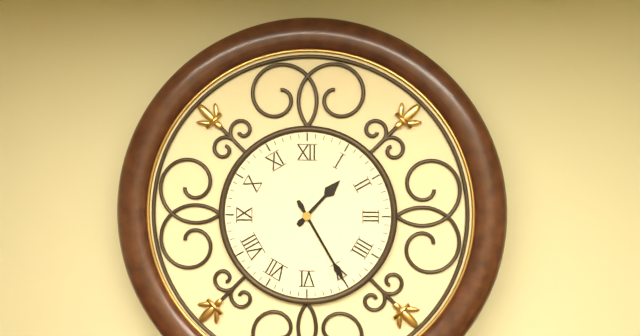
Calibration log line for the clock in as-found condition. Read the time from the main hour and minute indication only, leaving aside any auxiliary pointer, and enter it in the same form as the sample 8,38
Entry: 1,25
